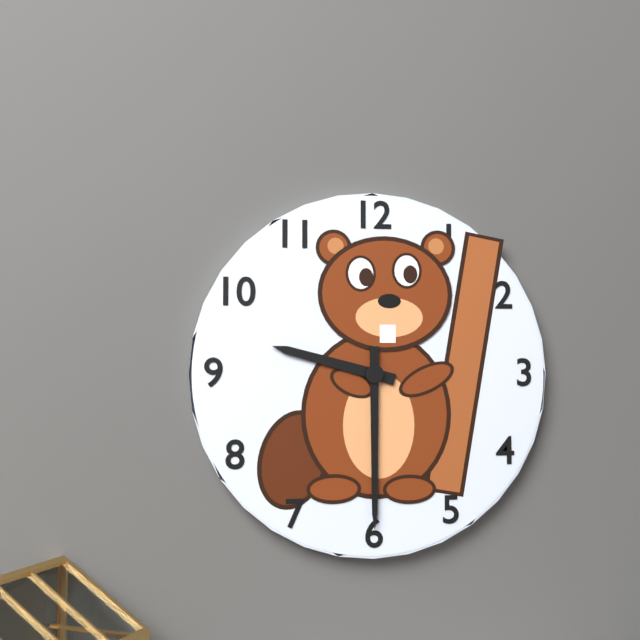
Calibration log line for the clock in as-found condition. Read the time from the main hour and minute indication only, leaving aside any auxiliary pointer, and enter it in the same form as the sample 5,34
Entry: 9,30
